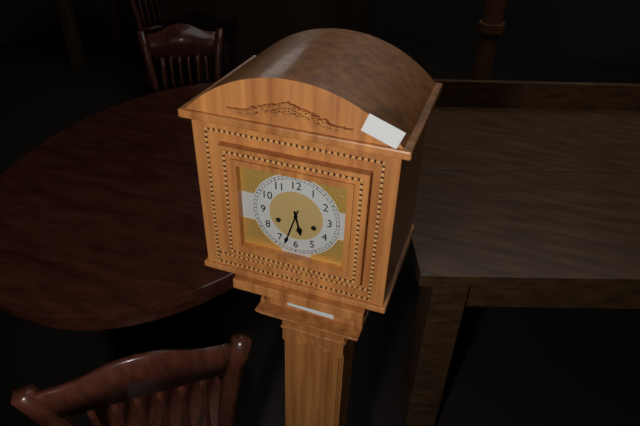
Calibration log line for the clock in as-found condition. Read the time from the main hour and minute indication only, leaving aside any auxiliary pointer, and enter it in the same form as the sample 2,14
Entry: 5,33
